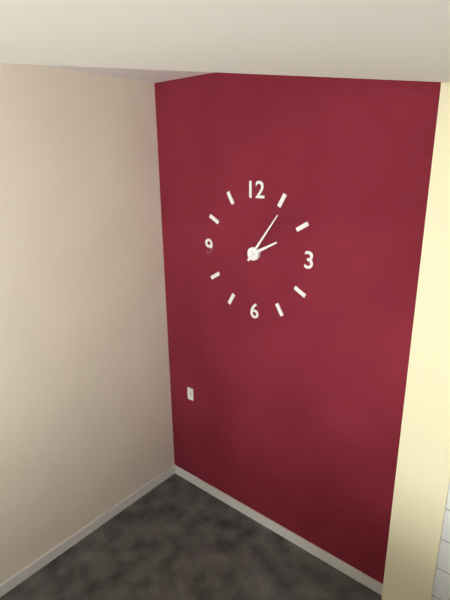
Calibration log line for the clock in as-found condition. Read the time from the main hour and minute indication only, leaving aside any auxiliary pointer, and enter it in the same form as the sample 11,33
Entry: 2,06
